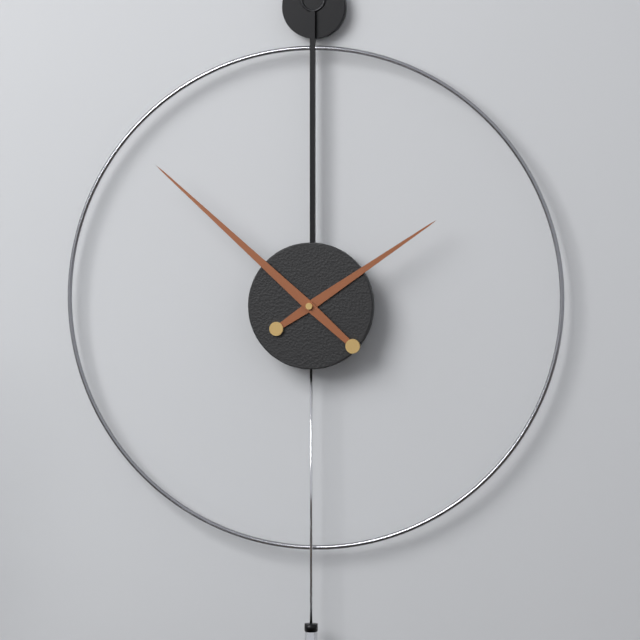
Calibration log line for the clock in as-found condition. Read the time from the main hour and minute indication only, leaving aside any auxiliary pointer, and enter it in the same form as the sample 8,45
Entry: 1,52
